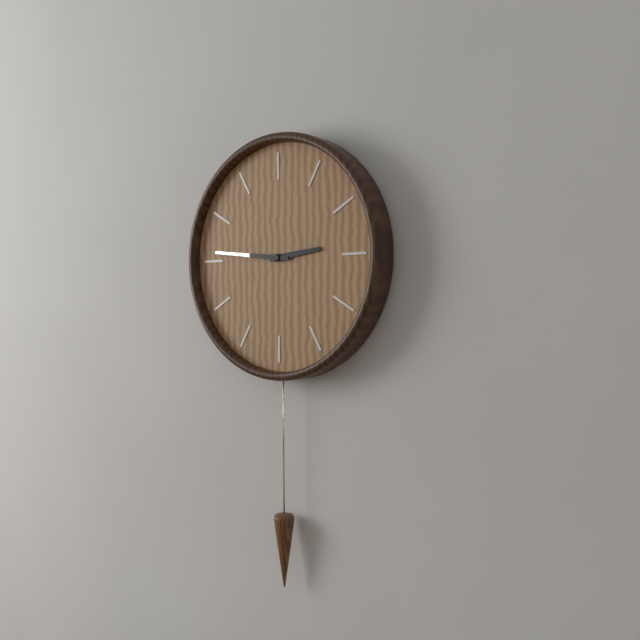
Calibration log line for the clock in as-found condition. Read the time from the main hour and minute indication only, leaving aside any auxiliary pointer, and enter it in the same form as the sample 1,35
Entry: 2,46
